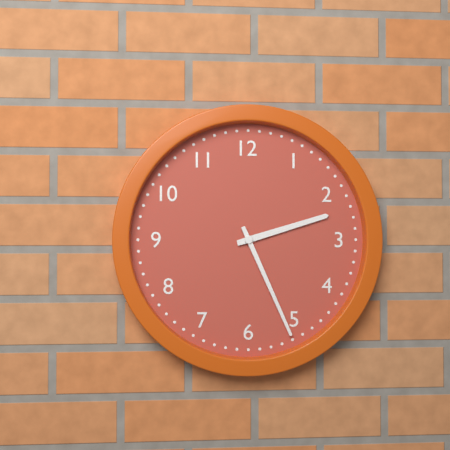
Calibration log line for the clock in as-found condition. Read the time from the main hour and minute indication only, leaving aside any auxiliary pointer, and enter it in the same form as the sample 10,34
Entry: 2,26
